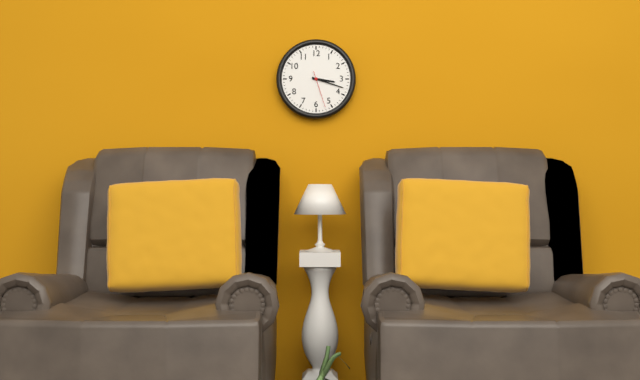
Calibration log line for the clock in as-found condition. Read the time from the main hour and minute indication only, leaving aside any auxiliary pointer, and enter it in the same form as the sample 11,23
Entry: 3,18
